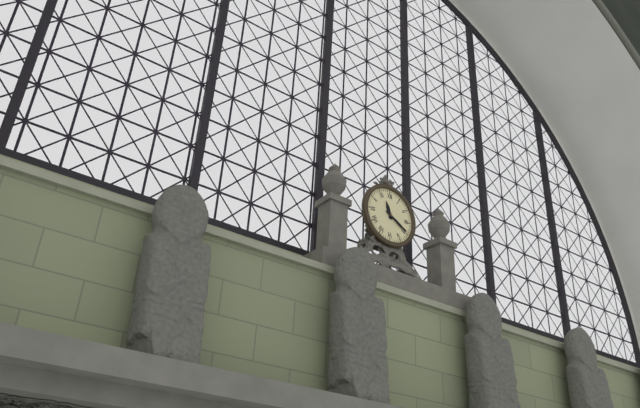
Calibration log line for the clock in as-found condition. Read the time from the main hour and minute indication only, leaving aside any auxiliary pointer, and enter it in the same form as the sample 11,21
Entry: 11,20
